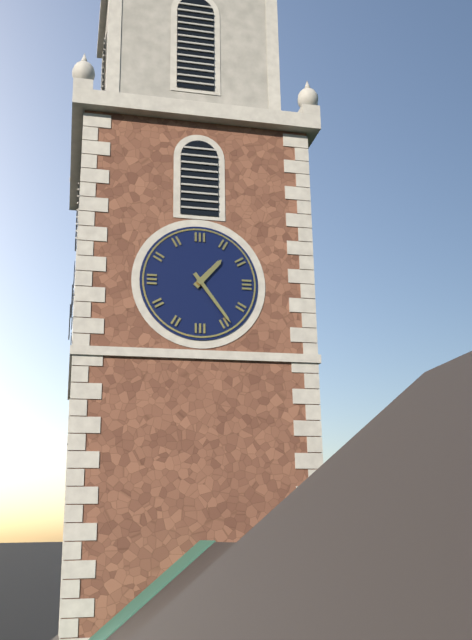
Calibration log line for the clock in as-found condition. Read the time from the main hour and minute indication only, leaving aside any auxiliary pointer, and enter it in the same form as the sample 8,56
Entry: 1,24
